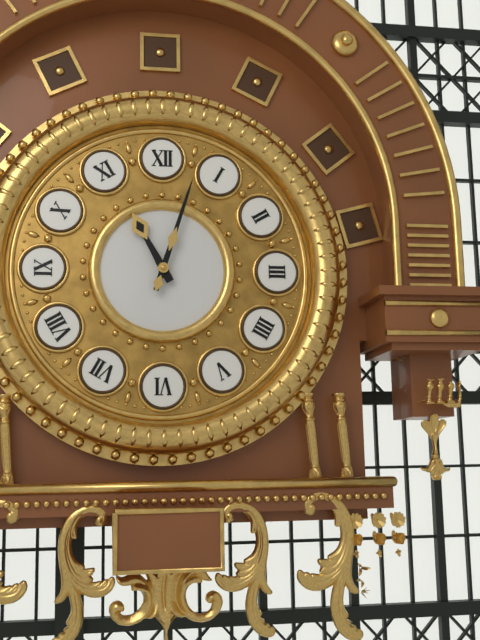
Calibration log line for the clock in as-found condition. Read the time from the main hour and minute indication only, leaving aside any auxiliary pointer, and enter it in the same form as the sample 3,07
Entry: 11,03
